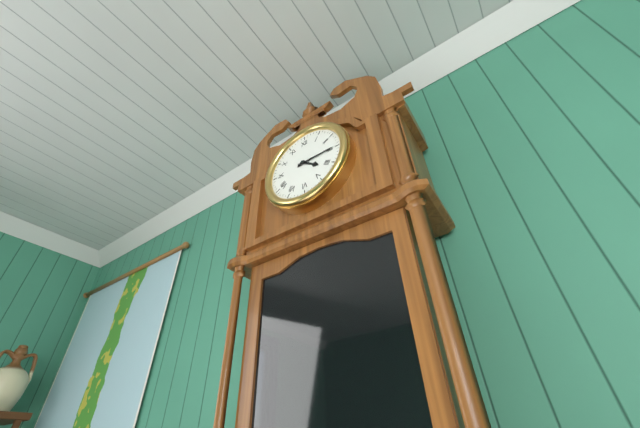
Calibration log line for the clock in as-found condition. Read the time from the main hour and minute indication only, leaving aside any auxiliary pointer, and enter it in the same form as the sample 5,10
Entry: 4,15
